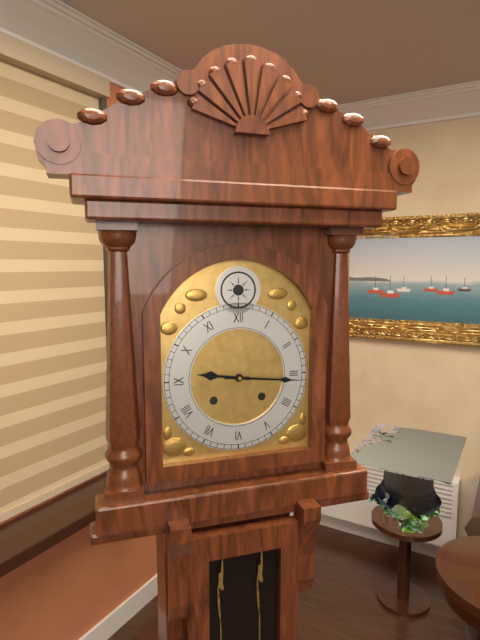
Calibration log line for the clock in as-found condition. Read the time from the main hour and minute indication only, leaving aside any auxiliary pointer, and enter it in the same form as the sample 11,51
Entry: 9,16
